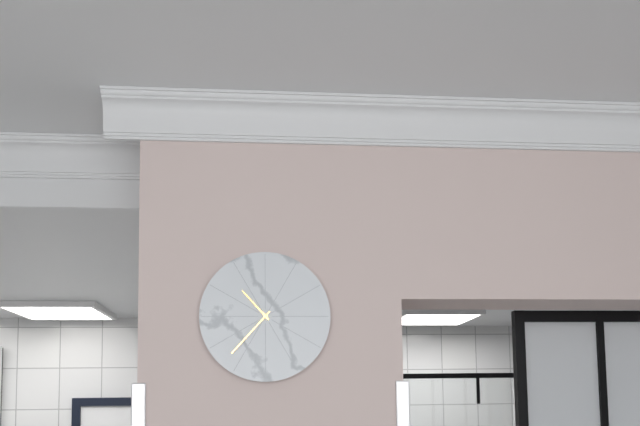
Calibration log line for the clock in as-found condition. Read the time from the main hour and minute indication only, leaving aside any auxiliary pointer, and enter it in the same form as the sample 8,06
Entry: 10,37
